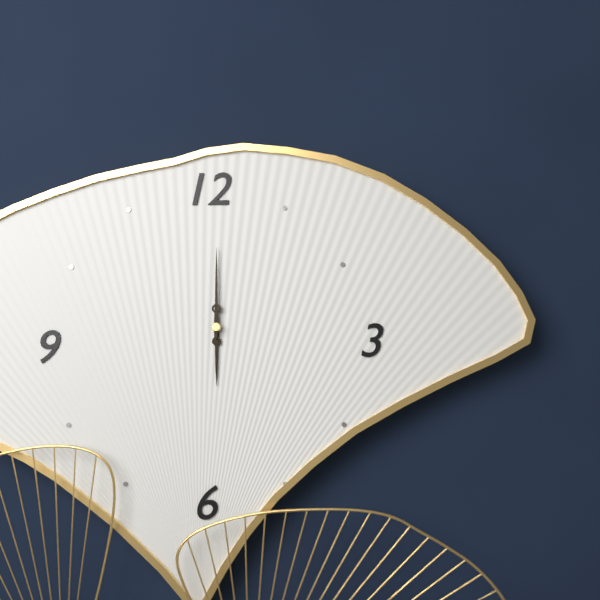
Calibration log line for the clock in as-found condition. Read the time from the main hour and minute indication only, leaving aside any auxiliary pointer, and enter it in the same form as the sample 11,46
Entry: 6,00
